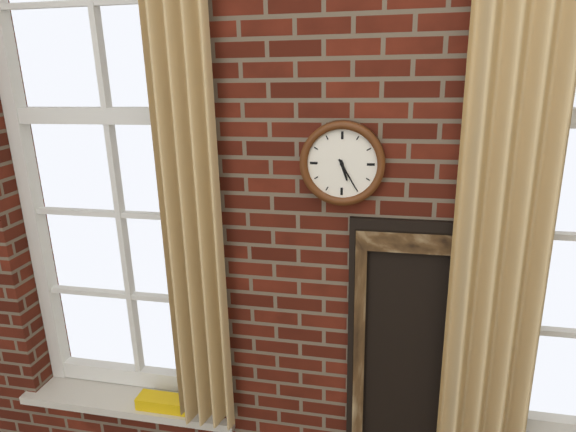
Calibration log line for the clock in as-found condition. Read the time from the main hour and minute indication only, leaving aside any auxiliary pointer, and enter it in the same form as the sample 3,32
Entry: 5,25
